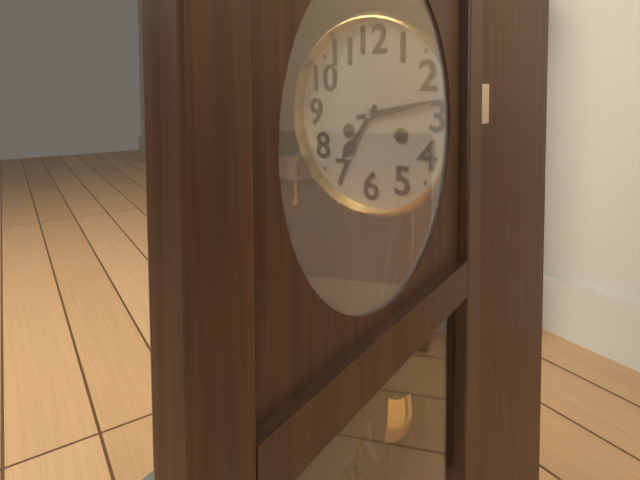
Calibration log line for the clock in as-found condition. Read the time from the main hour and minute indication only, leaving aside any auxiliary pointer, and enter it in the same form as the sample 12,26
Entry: 7,13
